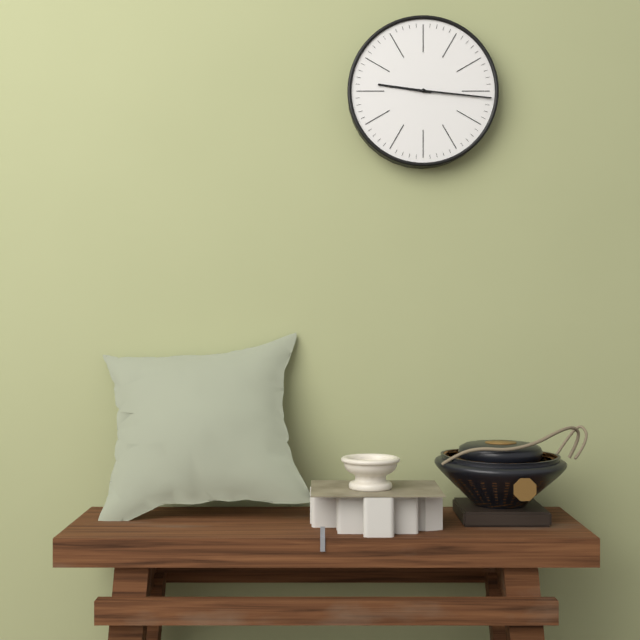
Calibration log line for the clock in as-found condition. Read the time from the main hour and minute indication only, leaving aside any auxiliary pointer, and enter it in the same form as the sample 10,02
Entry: 9,16
